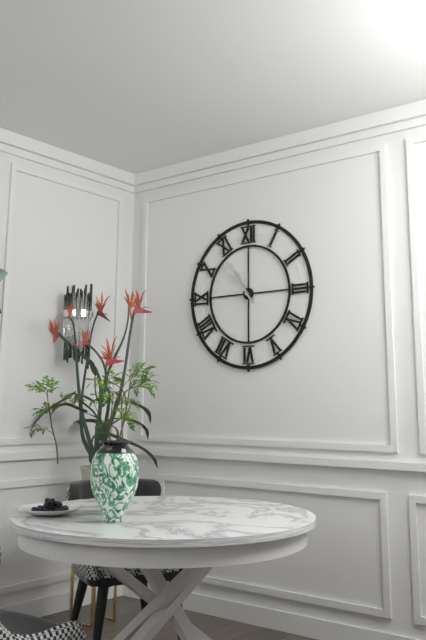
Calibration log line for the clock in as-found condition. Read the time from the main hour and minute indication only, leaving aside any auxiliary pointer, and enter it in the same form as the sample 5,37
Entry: 10,54
